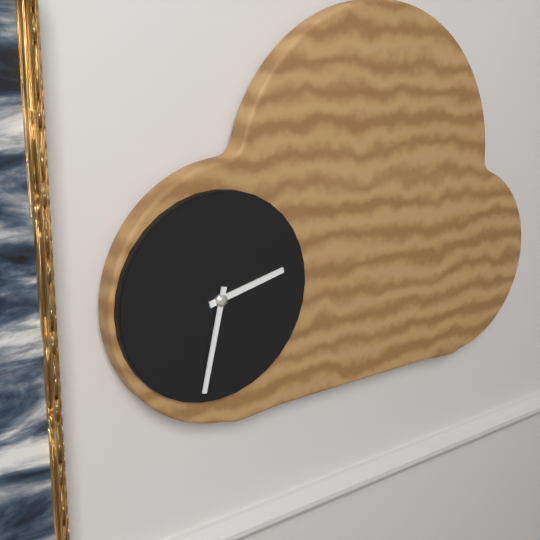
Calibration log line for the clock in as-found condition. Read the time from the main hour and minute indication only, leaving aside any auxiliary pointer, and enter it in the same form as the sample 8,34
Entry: 2,32
